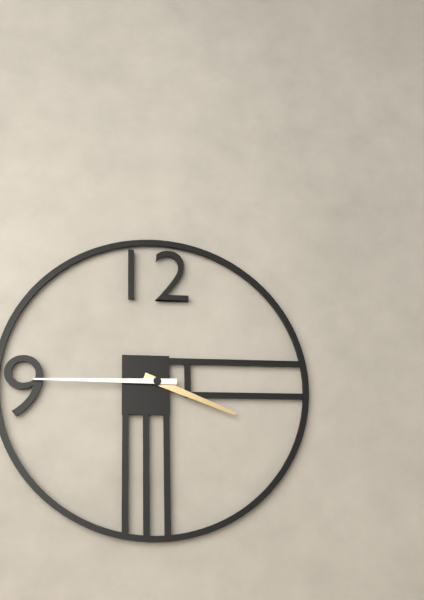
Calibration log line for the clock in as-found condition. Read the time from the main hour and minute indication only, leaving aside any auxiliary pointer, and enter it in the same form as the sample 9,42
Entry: 3,45
